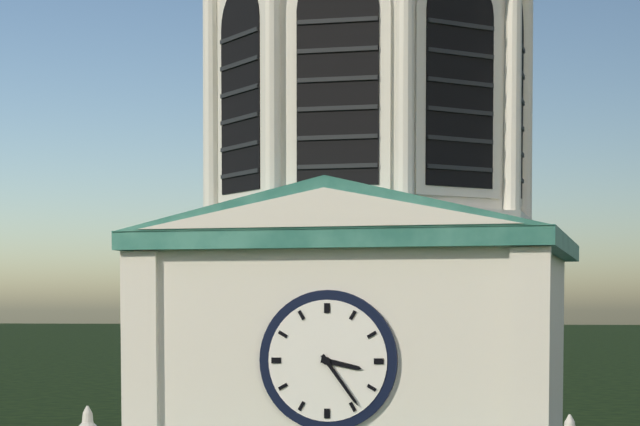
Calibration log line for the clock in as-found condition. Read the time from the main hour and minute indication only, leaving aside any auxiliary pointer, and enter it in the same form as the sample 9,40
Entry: 3,24
